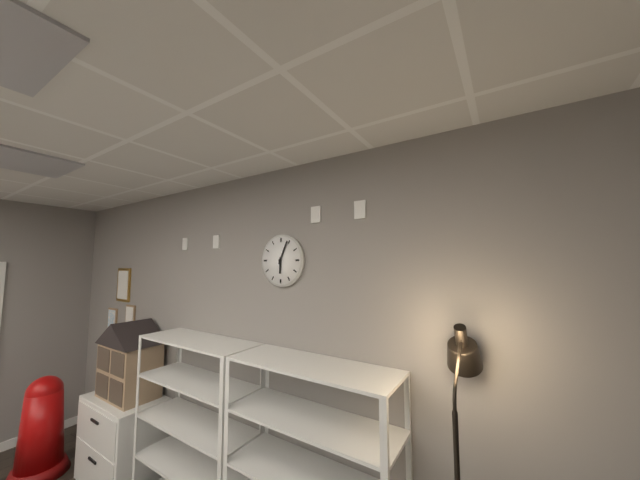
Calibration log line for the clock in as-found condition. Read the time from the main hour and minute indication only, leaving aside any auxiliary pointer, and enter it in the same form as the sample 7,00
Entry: 6,04
